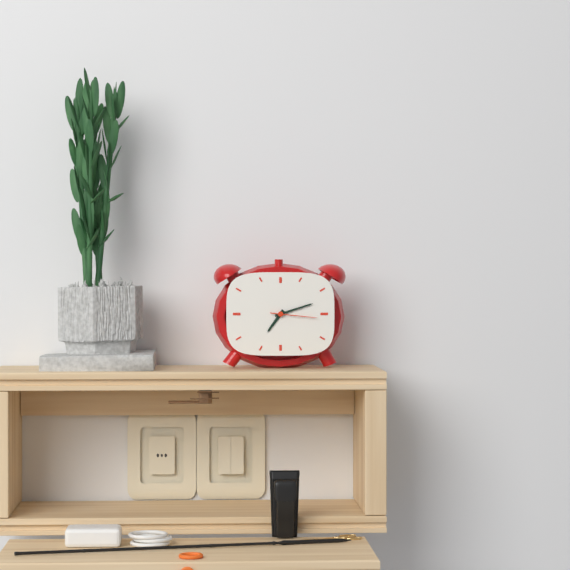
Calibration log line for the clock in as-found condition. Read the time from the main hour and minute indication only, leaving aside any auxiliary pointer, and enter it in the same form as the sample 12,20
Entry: 7,12
